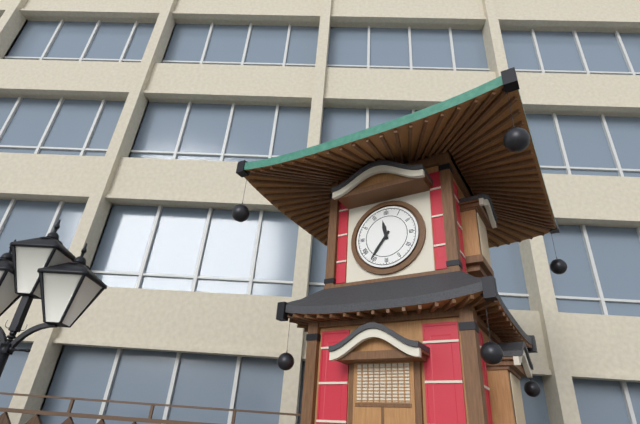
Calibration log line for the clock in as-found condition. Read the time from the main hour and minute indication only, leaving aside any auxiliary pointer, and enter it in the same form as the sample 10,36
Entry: 11,36
